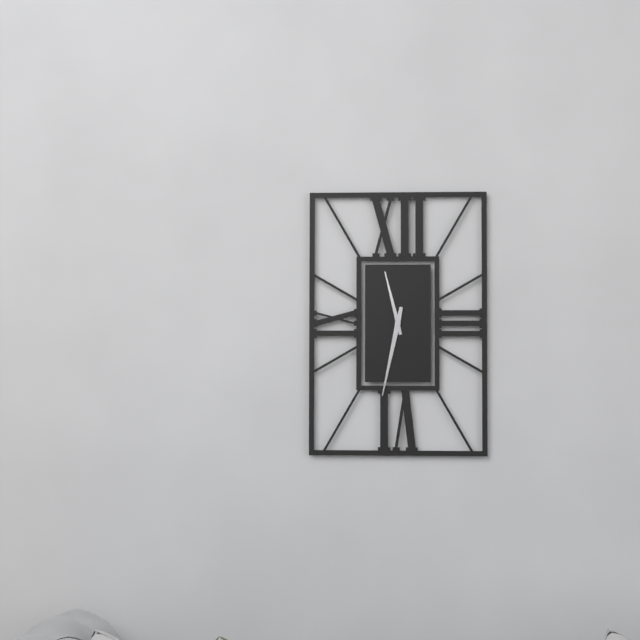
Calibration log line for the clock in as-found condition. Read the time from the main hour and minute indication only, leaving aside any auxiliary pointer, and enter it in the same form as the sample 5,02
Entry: 11,32
